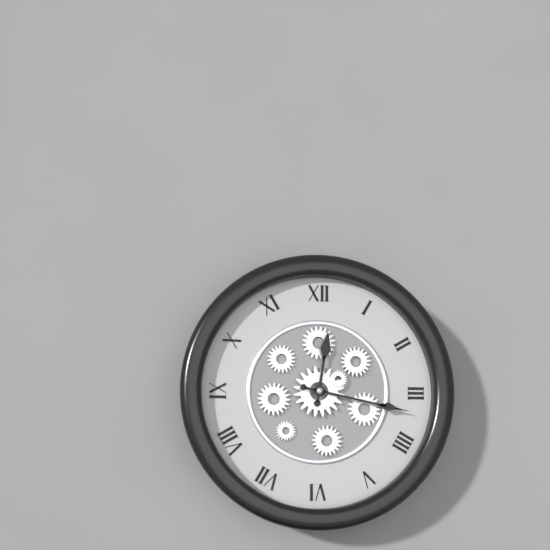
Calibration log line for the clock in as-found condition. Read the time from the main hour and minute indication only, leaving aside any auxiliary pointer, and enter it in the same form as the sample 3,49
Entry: 12,17
